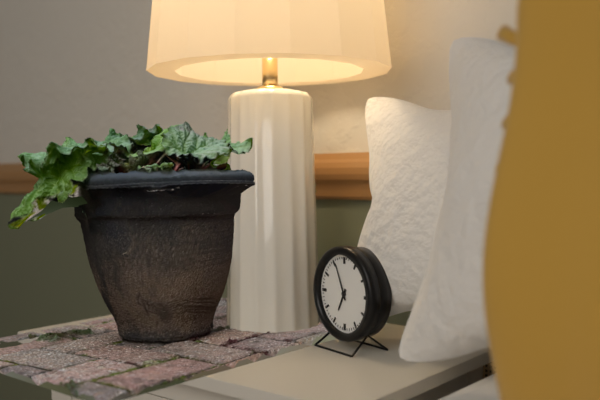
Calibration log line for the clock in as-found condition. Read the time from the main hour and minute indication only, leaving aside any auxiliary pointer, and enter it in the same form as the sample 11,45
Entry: 6,56
